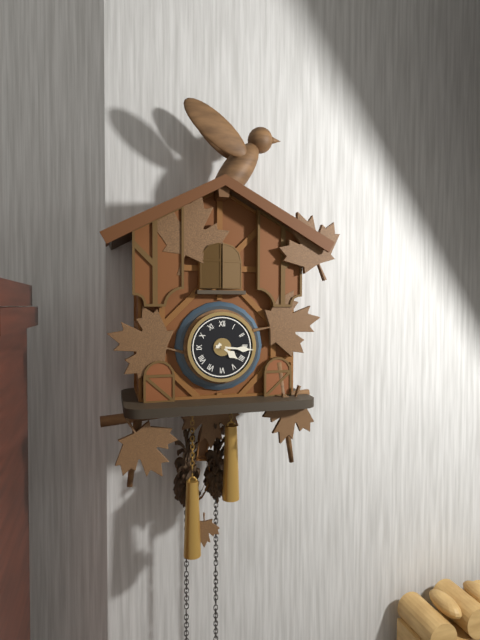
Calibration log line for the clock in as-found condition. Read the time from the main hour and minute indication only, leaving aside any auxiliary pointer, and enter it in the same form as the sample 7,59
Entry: 4,16
